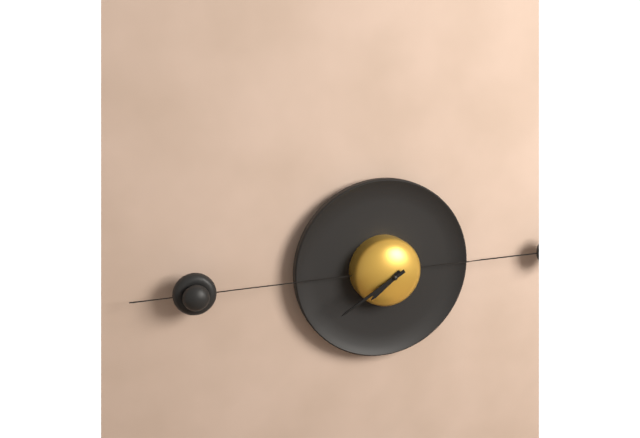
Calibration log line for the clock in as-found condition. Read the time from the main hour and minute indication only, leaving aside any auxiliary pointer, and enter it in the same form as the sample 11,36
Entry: 7,40
